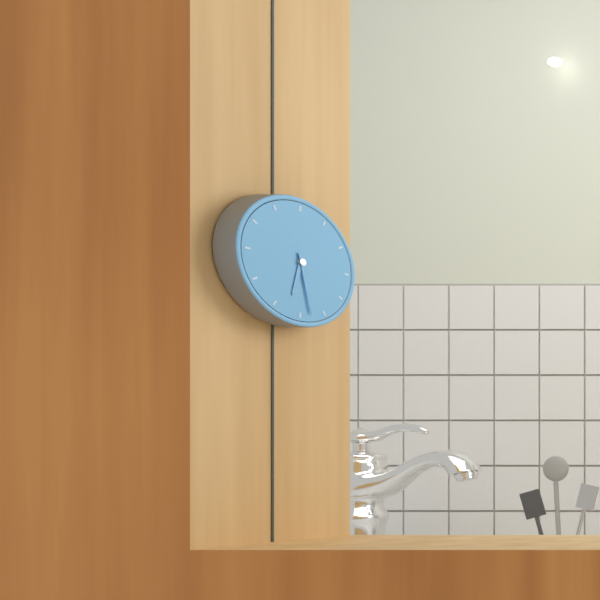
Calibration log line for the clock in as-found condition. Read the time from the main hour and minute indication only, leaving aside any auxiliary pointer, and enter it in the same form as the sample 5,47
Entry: 6,28
